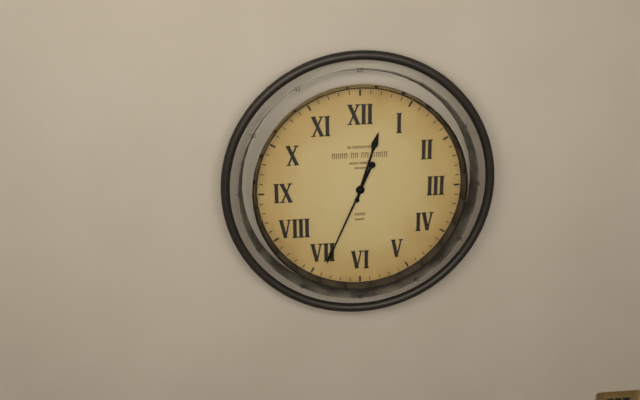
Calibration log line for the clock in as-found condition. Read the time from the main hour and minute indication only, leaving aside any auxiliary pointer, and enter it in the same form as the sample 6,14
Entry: 12,34
